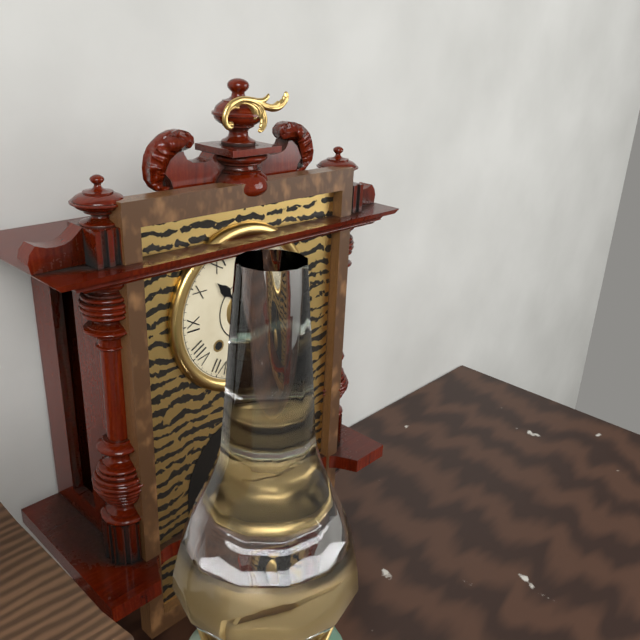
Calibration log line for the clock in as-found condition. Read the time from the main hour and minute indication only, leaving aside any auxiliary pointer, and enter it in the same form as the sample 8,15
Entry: 10,33
